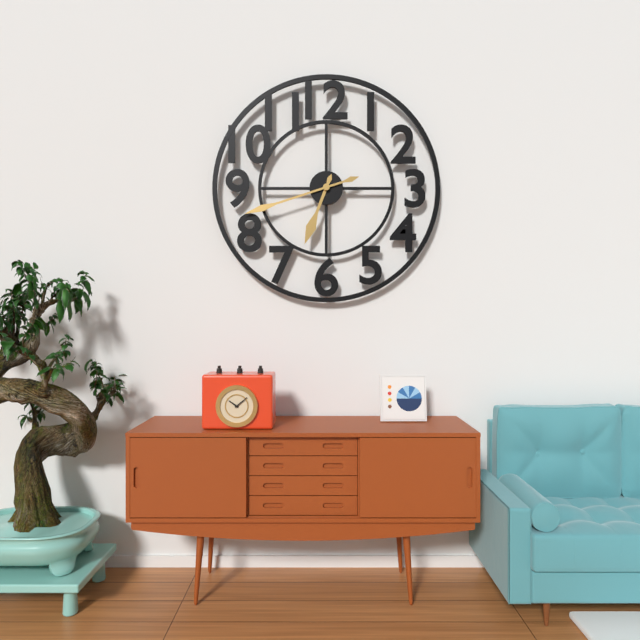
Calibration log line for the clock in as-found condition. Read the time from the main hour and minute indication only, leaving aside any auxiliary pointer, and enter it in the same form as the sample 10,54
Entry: 6,42
